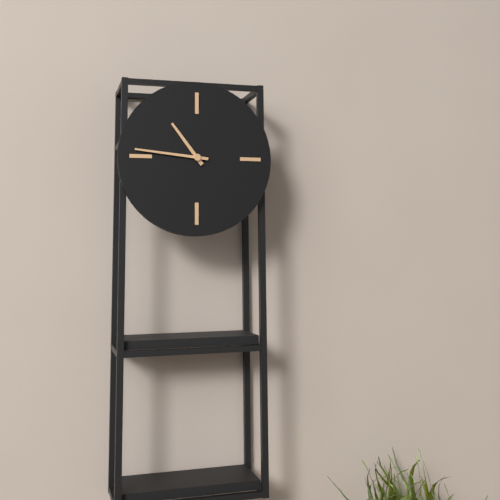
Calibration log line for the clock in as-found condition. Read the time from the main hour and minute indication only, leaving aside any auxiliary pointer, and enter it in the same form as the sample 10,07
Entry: 10,46
